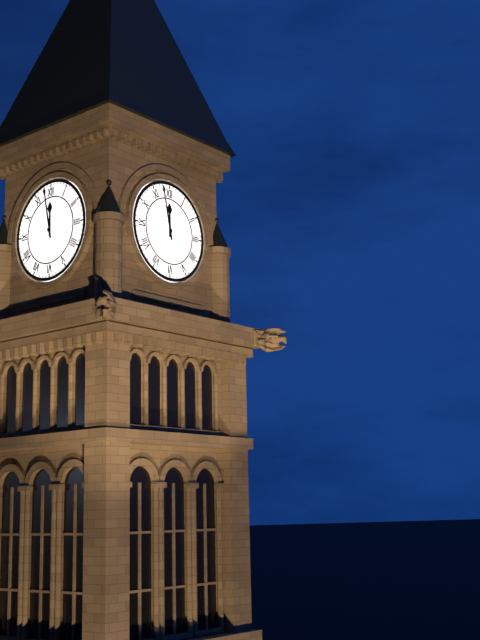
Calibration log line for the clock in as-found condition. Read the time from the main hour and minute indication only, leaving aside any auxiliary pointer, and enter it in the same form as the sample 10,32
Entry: 11,58
